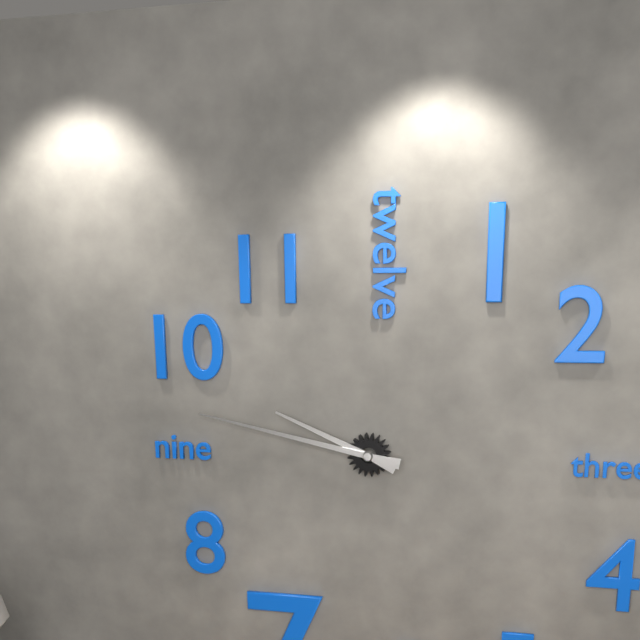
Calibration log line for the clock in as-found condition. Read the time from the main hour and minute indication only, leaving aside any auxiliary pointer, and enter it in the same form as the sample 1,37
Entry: 9,47
